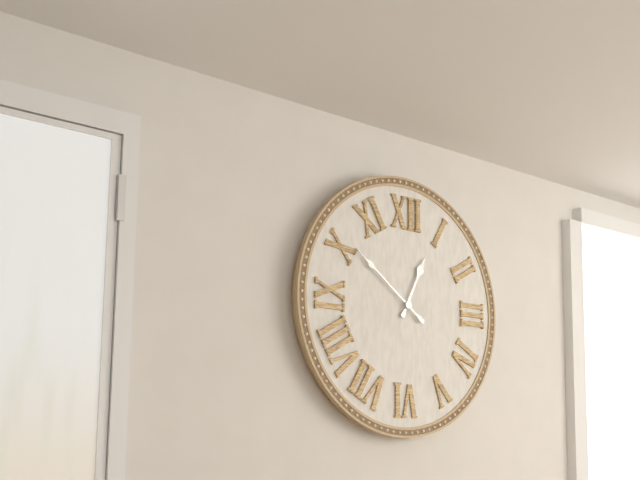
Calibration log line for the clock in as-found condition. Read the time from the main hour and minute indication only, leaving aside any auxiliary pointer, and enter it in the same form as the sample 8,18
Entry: 12,51
